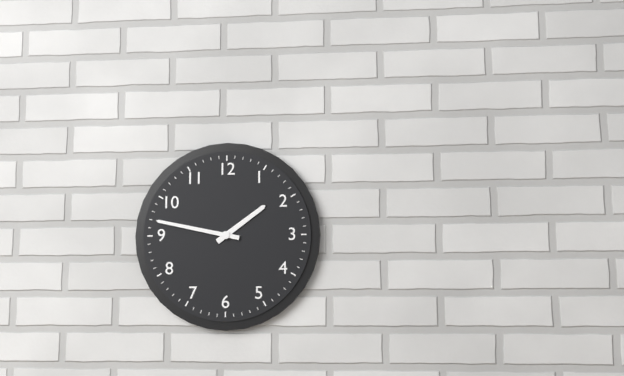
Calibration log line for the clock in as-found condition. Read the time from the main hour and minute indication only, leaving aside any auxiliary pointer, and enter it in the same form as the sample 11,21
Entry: 1,47
